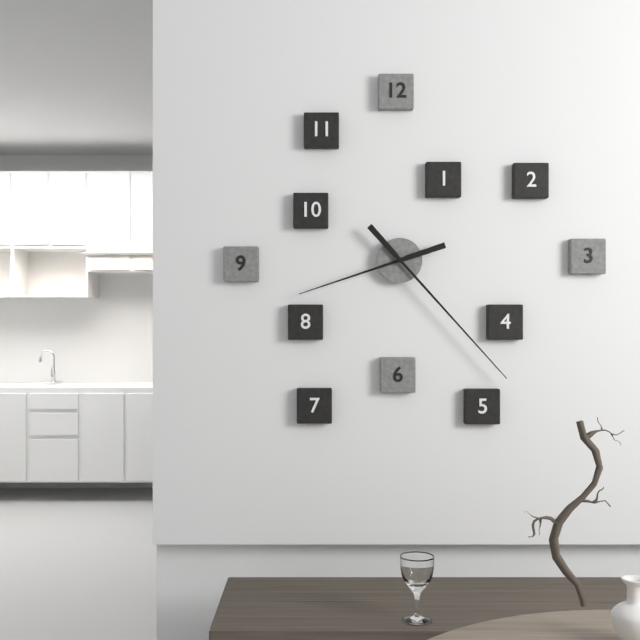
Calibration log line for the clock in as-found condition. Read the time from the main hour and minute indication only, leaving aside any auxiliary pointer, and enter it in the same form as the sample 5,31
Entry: 8,23
